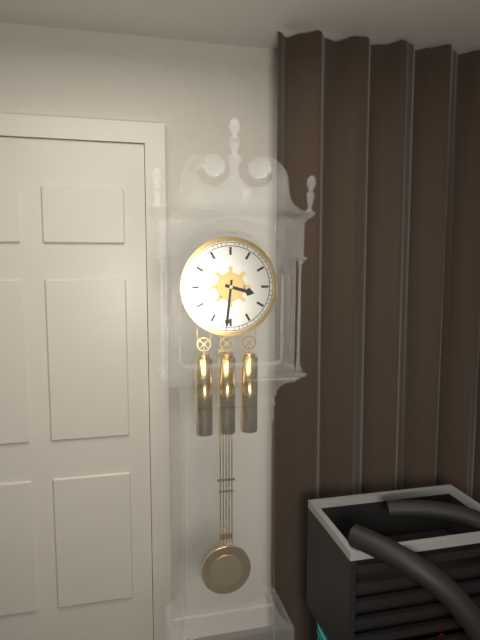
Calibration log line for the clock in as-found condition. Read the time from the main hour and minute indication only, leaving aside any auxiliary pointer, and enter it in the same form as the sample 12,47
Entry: 3,31
